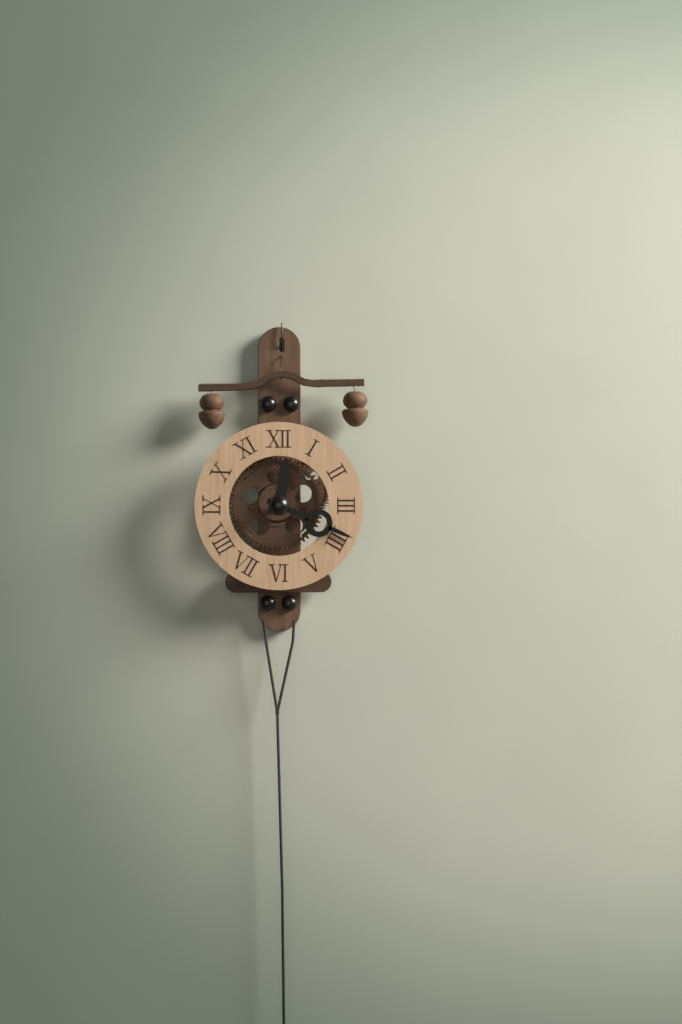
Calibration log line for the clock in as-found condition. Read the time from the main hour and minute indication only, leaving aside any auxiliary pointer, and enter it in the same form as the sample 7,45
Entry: 12,19
